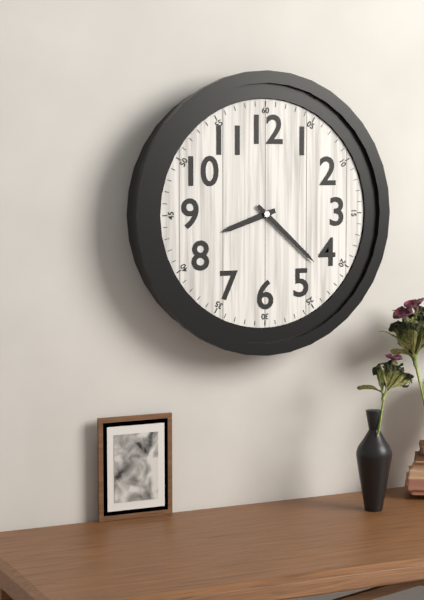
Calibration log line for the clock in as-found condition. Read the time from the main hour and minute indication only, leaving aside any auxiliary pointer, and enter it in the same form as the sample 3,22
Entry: 8,22
